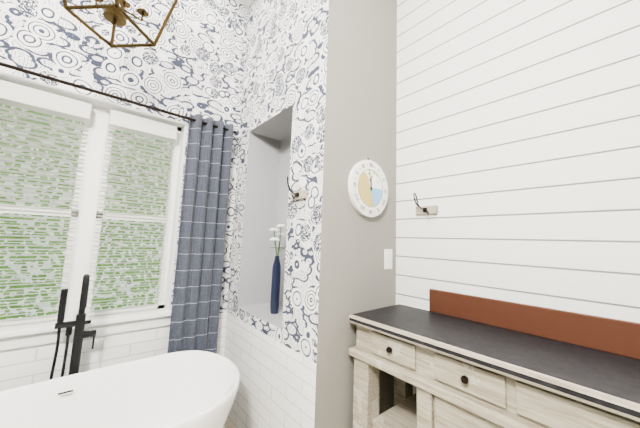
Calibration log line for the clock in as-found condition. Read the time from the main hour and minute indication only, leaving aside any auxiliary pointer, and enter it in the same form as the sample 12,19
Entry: 11,58
